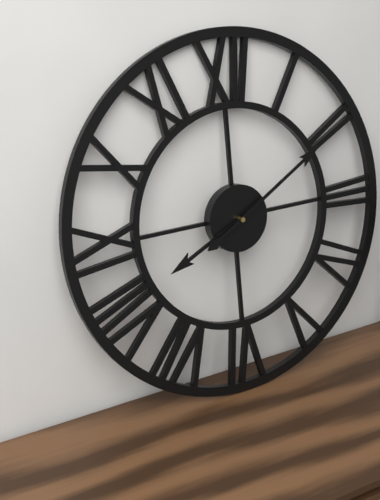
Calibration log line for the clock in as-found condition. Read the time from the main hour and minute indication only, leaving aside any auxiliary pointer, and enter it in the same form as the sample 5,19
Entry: 8,10
